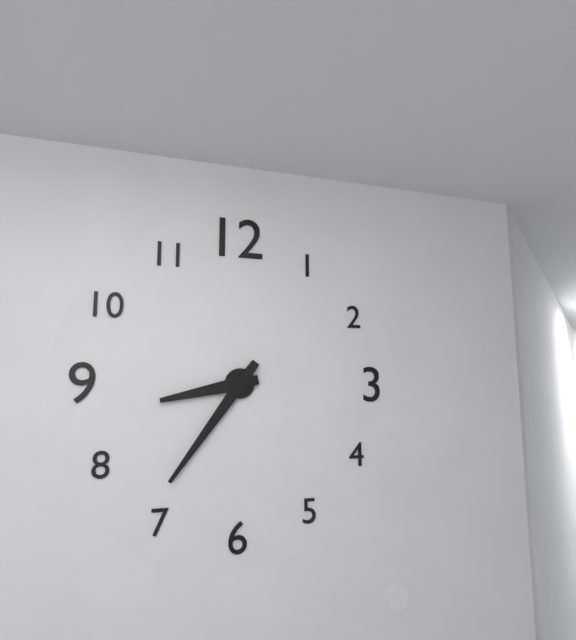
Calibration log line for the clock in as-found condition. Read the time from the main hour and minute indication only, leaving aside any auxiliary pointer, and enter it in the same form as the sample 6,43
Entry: 8,36
